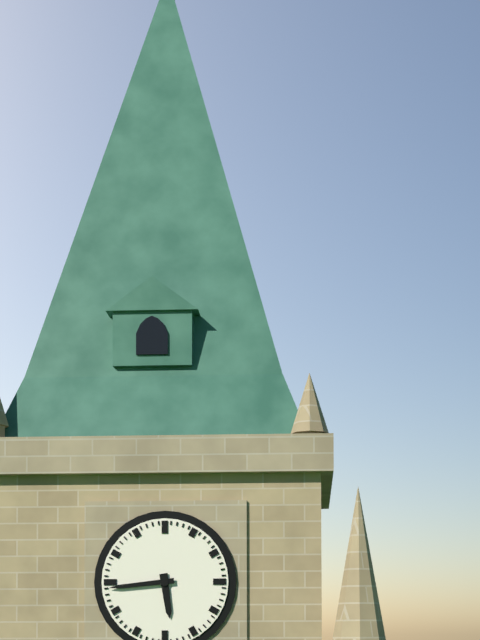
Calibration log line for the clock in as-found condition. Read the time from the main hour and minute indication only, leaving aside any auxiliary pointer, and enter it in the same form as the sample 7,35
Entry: 5,44
